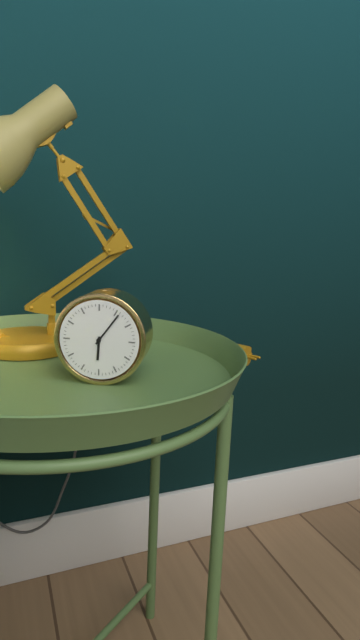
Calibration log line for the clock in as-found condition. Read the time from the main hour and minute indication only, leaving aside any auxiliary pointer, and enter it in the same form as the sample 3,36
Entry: 6,06
